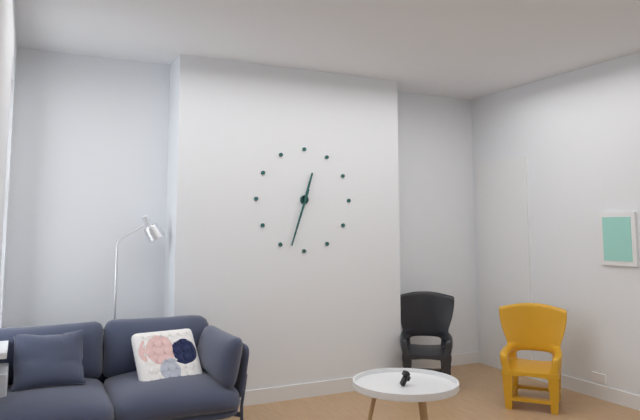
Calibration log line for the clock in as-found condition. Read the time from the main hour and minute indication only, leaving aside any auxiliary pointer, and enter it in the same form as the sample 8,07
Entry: 12,33
